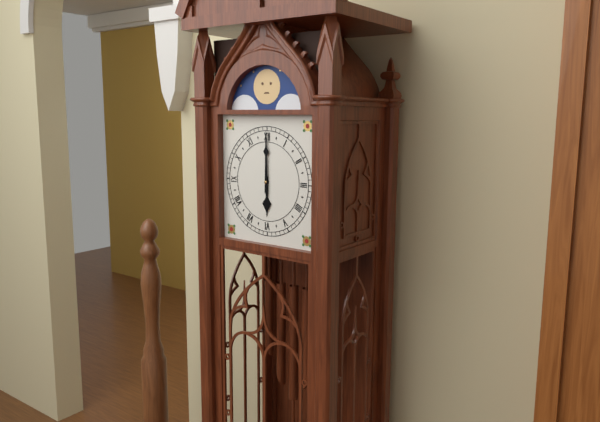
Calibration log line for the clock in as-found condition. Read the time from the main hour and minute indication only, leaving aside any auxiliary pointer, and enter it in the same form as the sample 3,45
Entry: 6,00
